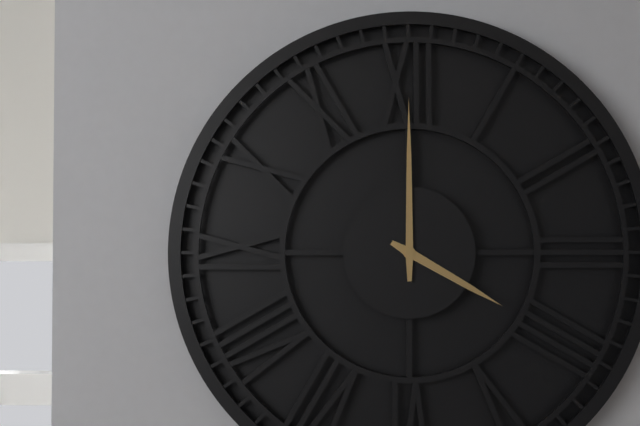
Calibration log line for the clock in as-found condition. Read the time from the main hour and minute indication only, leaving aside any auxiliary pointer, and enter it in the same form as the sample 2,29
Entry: 4,00
